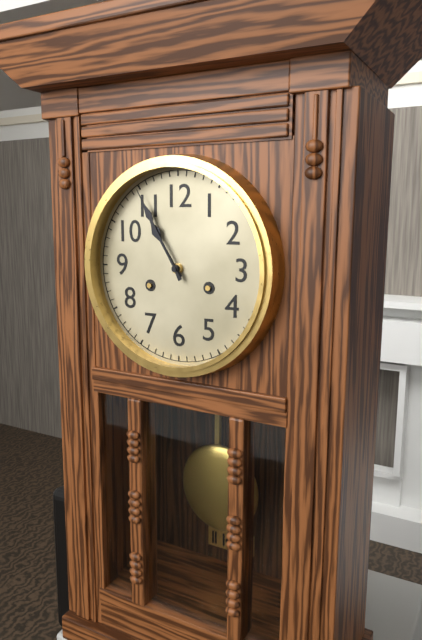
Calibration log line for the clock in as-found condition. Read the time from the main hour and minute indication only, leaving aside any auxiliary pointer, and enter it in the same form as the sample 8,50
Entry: 10,55
